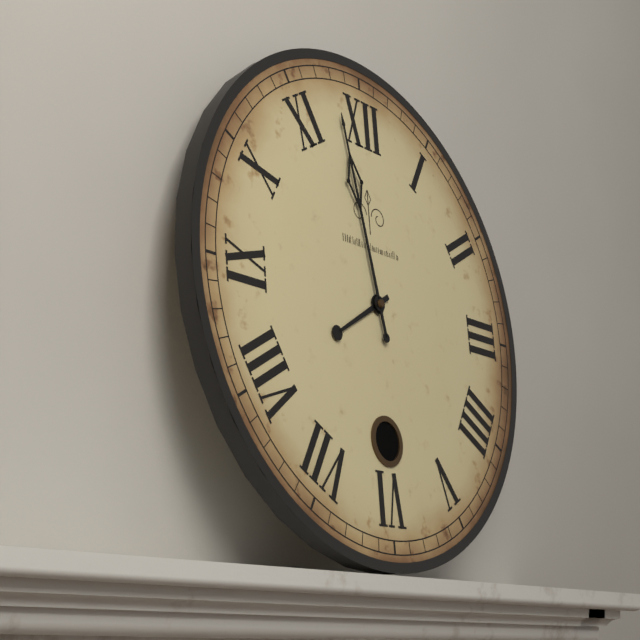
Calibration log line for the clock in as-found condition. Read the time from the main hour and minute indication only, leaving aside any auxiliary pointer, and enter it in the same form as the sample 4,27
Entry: 7,58
